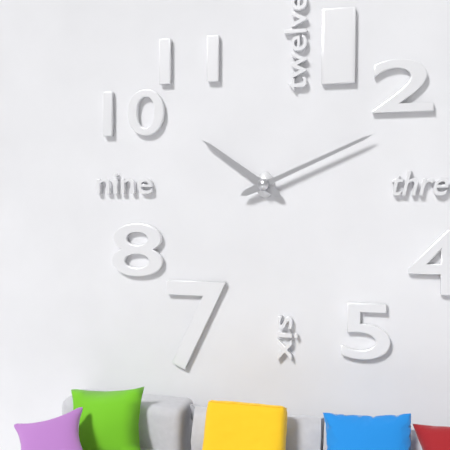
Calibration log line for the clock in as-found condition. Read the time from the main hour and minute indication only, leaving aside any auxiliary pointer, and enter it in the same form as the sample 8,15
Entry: 10,11
